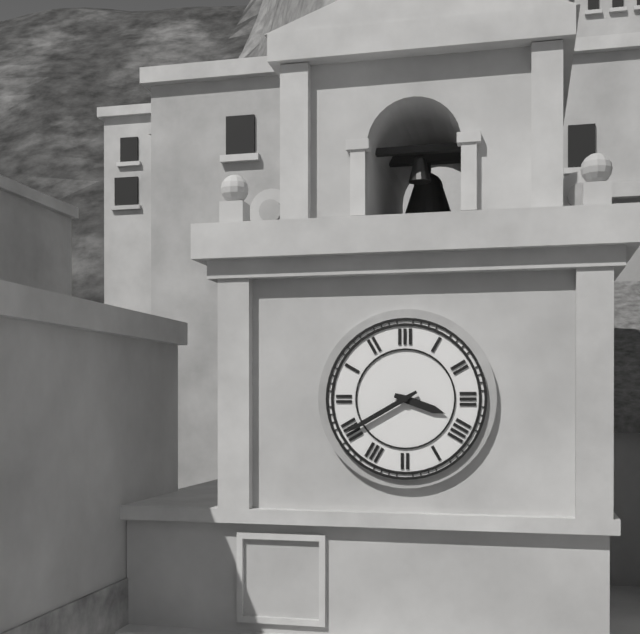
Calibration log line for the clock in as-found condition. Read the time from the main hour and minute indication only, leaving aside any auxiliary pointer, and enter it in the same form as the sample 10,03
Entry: 3,40
